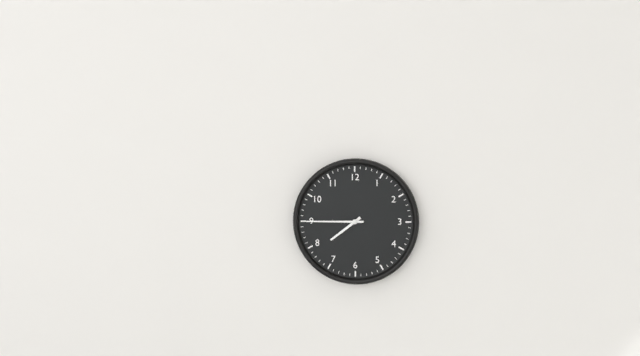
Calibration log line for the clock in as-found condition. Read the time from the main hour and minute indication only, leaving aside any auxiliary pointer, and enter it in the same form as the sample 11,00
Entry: 7,45
